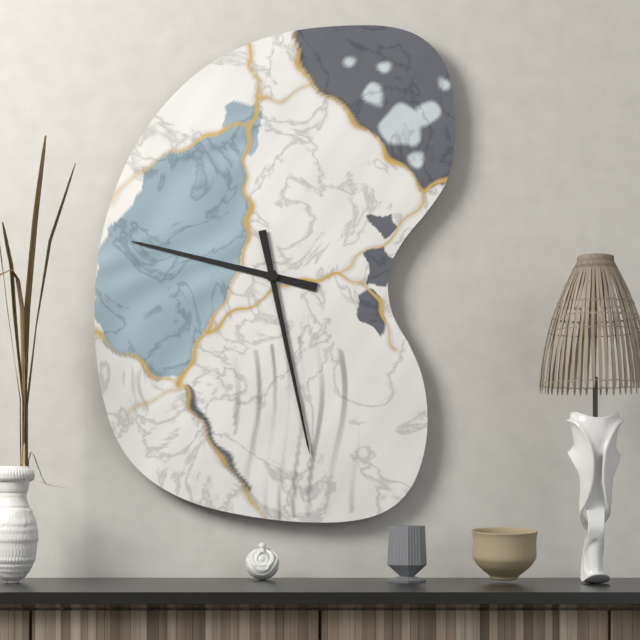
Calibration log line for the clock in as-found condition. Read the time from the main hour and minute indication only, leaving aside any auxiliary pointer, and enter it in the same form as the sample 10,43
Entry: 9,28
